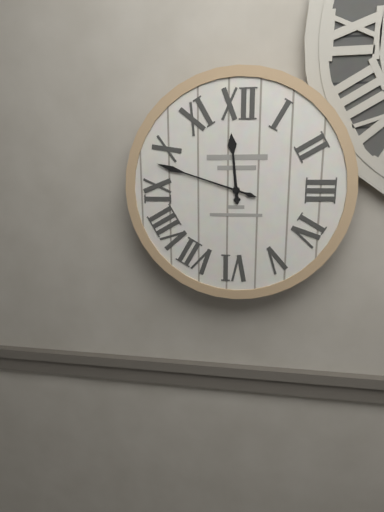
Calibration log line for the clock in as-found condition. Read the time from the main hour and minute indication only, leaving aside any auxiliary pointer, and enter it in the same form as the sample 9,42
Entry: 11,48
